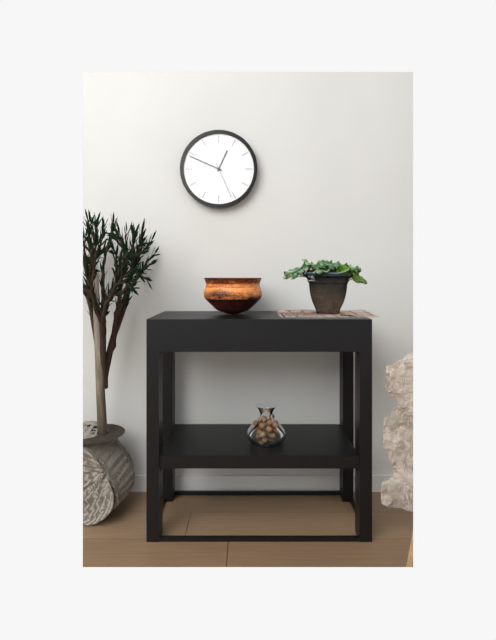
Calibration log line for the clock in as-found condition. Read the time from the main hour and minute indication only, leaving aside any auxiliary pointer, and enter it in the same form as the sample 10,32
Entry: 12,49
